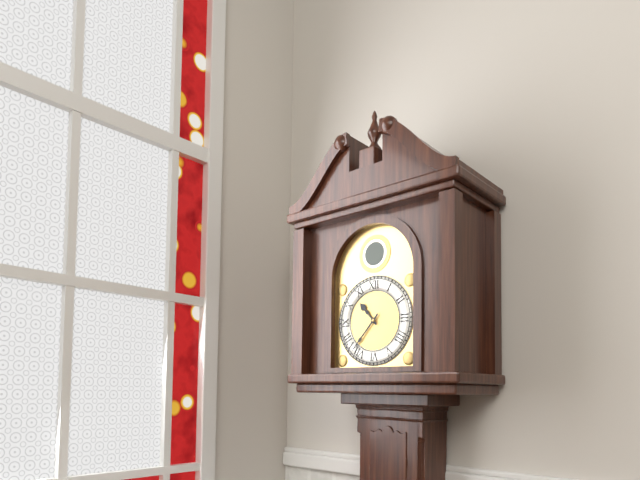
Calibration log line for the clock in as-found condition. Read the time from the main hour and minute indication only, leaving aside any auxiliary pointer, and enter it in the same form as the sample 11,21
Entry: 10,37
